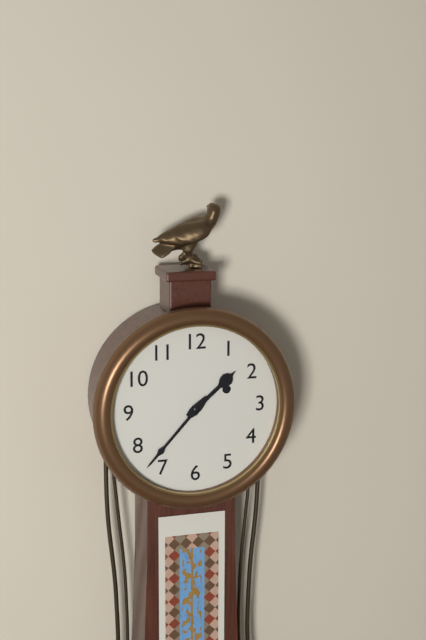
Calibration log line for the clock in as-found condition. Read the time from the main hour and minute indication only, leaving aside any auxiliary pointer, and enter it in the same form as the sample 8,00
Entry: 1,37
